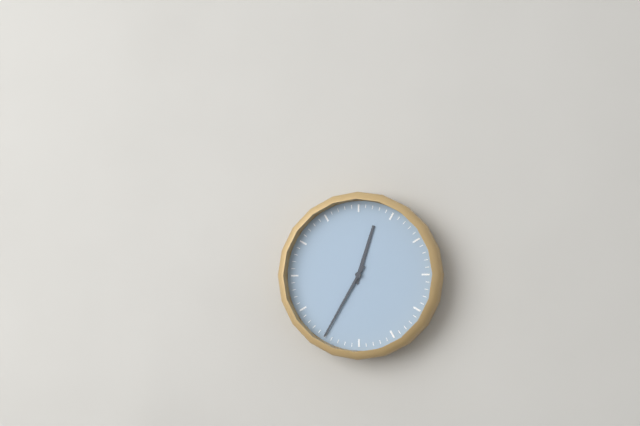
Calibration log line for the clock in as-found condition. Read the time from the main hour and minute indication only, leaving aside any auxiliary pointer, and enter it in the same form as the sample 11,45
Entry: 12,35
